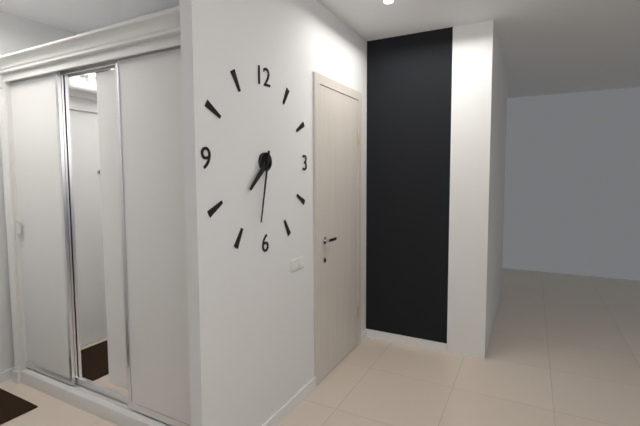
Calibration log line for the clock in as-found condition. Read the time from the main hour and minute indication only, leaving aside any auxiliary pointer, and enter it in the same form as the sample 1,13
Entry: 7,32
